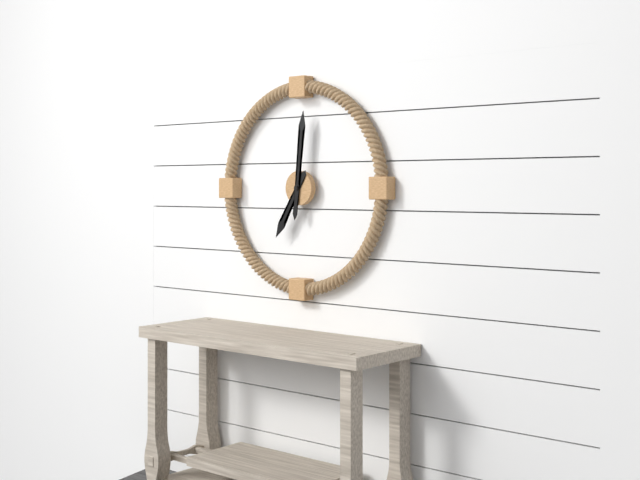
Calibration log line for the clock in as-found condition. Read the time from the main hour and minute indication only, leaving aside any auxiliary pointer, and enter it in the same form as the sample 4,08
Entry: 7,01
